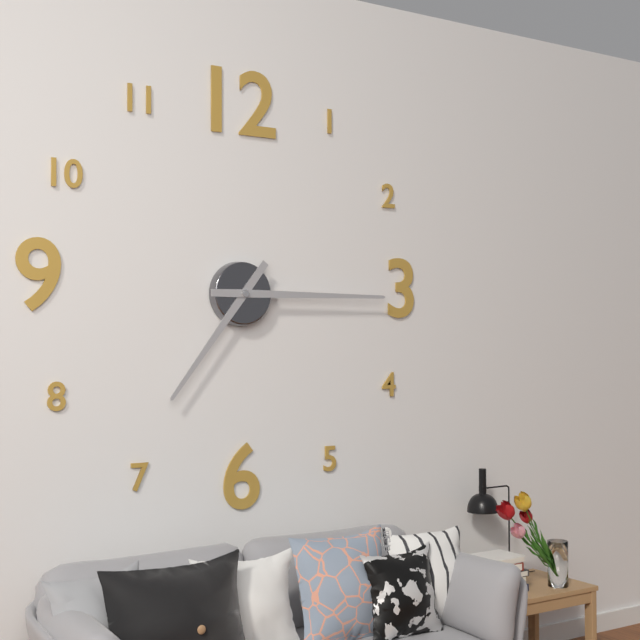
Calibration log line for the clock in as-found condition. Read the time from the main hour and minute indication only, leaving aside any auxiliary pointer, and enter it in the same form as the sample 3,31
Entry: 7,15
